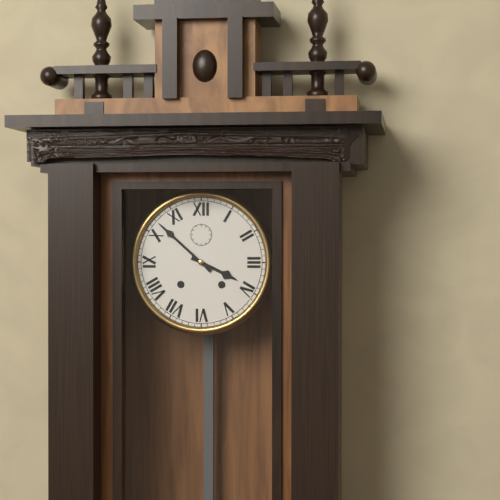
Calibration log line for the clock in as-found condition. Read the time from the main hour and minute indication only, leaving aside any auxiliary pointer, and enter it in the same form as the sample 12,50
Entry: 3,52
